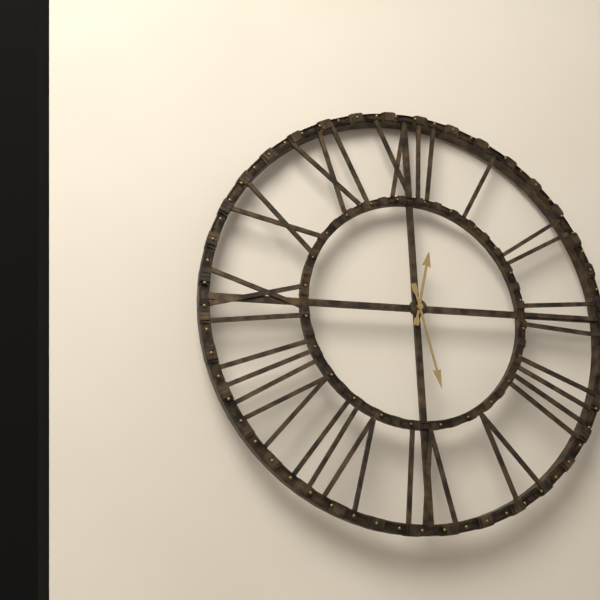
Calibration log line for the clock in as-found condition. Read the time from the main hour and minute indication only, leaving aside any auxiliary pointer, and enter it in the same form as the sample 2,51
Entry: 12,28
